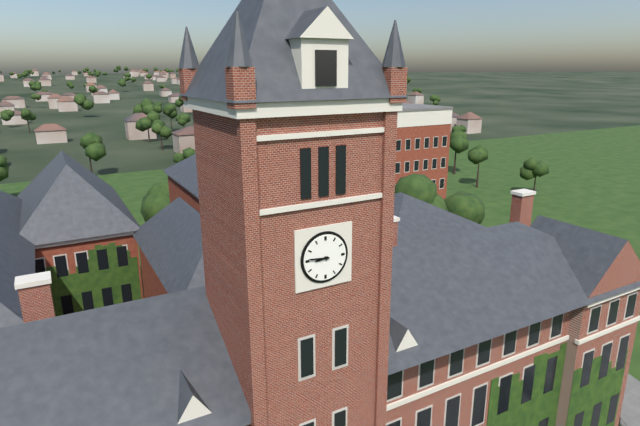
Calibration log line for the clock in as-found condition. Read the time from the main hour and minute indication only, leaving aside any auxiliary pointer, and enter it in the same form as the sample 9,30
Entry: 8,46
